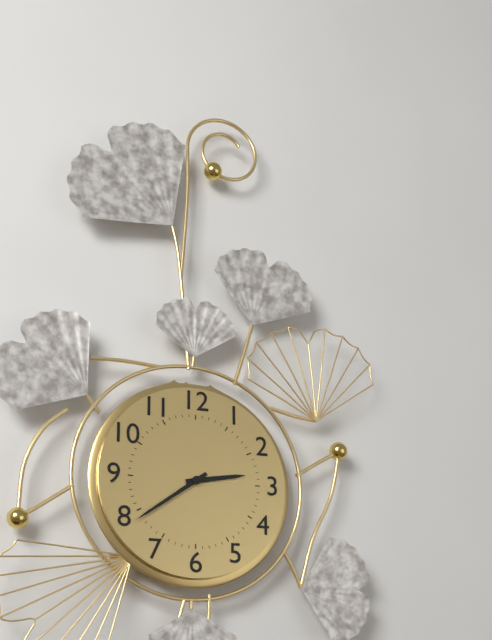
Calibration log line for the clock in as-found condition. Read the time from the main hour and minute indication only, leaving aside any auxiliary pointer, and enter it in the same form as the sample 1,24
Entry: 2,39
